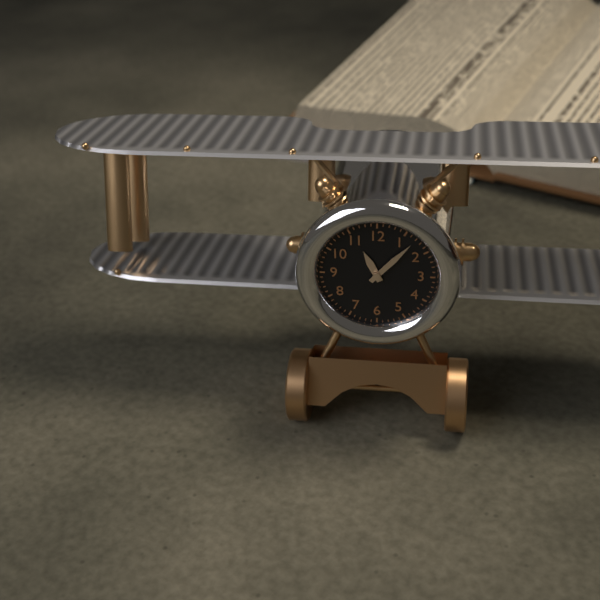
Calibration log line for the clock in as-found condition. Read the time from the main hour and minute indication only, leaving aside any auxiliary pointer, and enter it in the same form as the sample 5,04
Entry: 11,07
